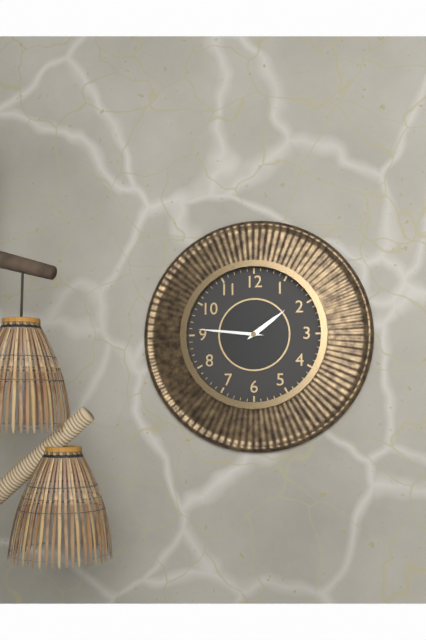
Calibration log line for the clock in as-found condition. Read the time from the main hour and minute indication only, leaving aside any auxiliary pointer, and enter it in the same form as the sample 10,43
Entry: 1,46
